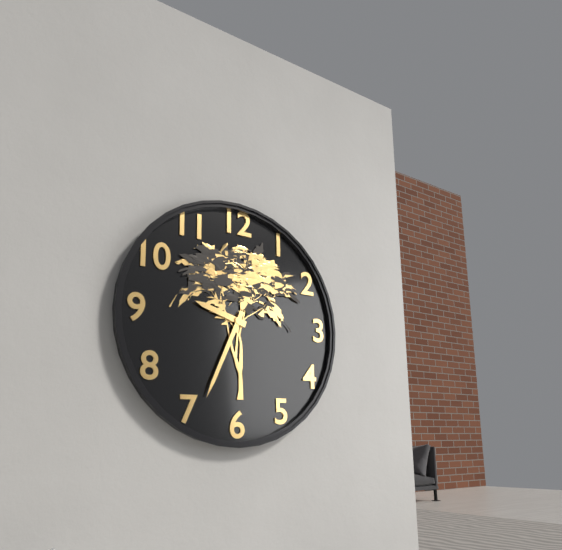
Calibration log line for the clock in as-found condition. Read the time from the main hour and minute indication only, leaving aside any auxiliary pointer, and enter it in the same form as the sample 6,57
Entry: 9,34
